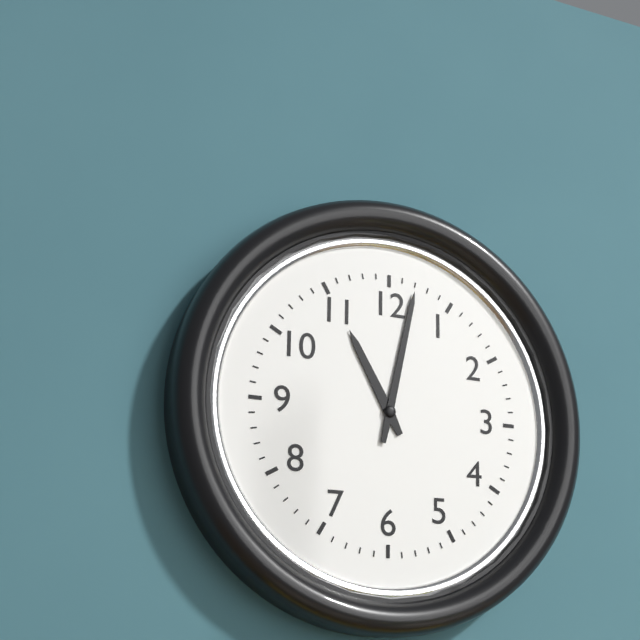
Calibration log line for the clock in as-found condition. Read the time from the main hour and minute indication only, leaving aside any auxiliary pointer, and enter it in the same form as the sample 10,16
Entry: 11,02
